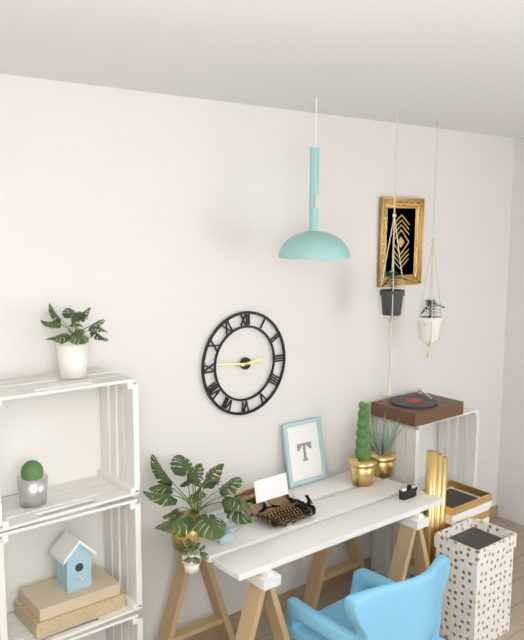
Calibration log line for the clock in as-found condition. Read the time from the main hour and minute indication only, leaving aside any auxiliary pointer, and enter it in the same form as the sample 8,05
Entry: 2,46
